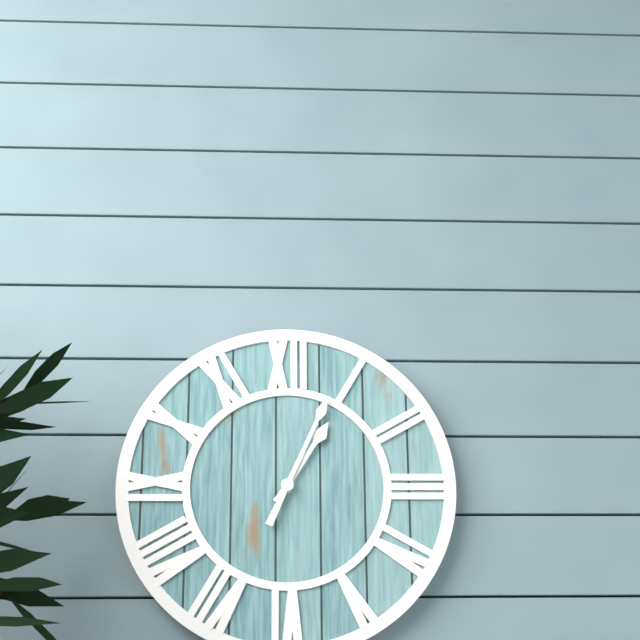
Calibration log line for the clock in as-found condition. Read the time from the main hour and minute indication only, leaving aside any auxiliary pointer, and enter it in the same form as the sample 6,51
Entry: 1,04
